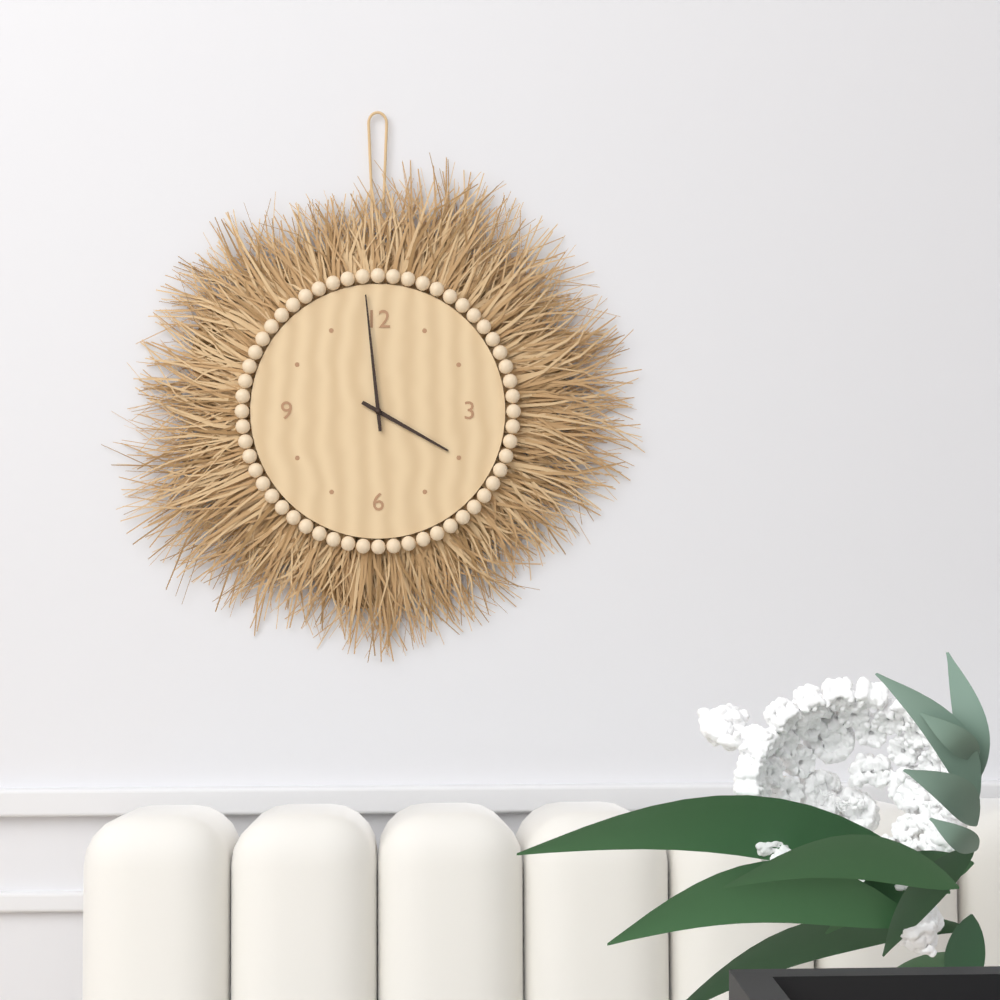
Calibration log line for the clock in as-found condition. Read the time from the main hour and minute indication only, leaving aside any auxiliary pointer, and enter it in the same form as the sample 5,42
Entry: 3,59
